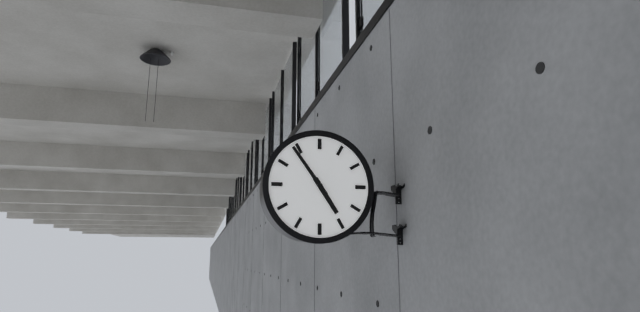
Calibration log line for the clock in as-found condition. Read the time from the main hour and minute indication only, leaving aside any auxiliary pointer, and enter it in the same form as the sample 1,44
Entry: 4,54
